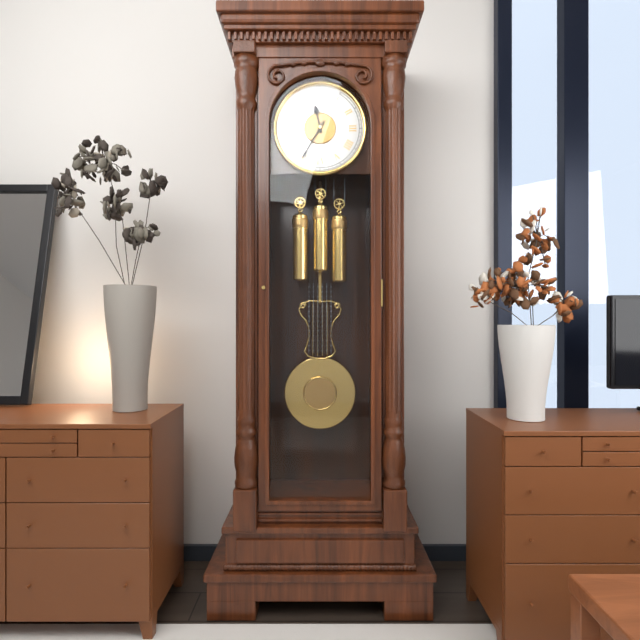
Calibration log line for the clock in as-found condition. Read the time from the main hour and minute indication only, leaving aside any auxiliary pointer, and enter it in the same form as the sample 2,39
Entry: 11,35
